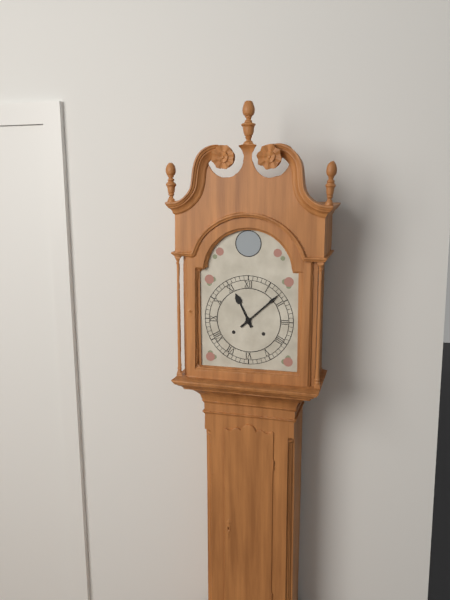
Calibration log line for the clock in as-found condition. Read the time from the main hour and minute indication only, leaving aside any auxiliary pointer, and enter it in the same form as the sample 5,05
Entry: 11,08
